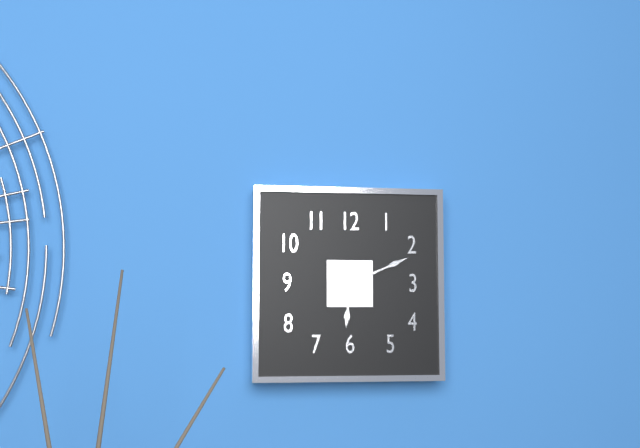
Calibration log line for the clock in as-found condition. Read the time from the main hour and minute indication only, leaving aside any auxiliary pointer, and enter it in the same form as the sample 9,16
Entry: 6,11
